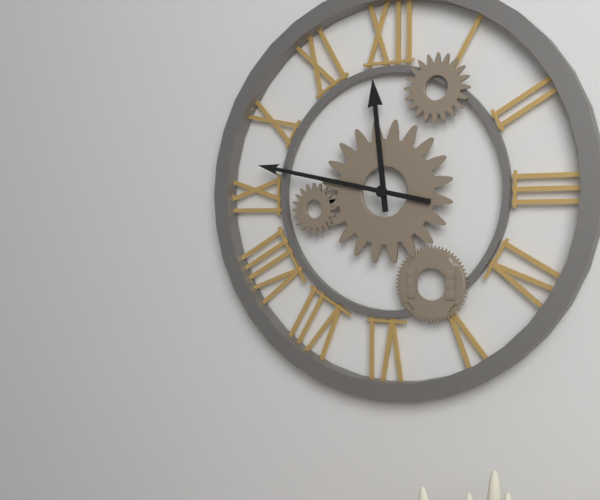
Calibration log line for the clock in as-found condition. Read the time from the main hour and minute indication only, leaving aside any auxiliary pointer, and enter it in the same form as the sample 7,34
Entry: 11,47
